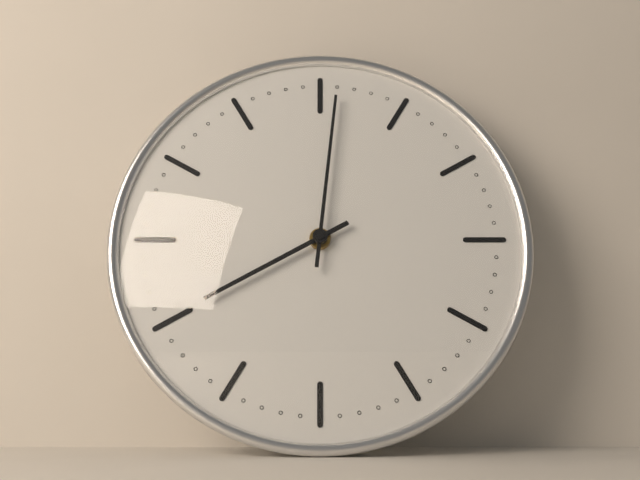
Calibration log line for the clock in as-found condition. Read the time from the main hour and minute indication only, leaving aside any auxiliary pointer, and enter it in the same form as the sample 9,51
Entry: 8,01
